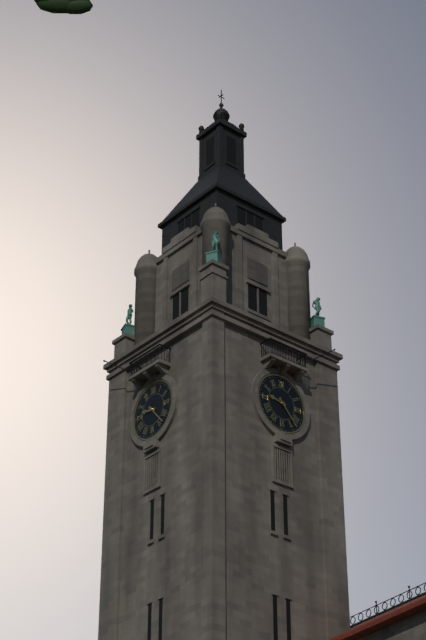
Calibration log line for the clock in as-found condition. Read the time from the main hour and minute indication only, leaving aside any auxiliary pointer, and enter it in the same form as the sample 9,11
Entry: 9,23
